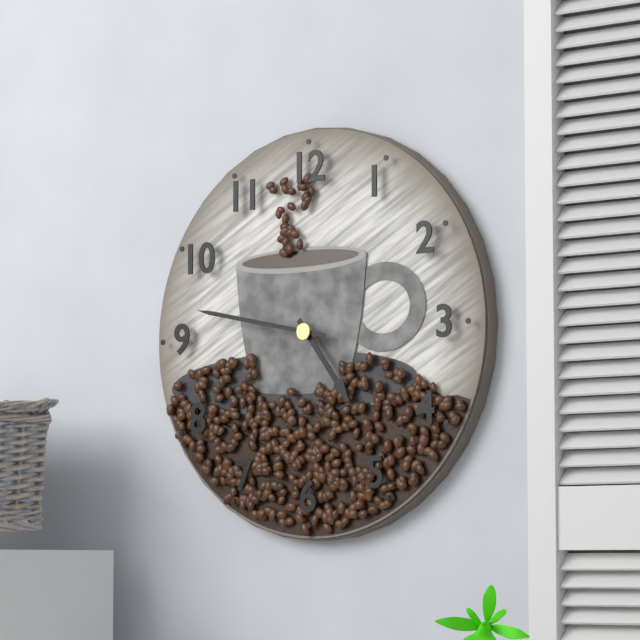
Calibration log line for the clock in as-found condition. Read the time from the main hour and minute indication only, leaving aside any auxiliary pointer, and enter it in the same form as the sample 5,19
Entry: 4,47
